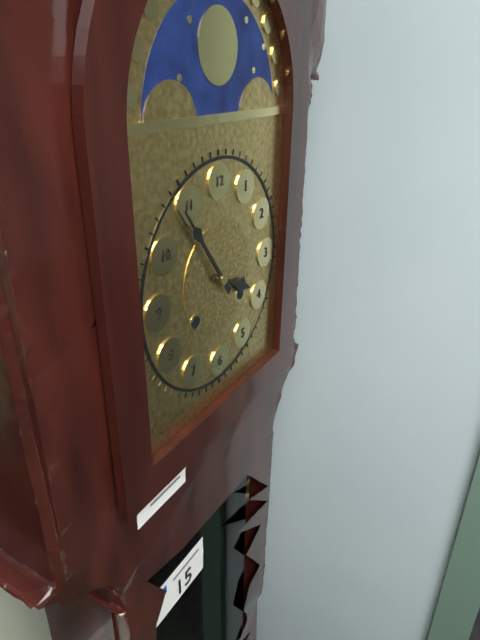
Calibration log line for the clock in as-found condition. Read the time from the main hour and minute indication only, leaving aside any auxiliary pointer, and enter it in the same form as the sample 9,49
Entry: 3,54
